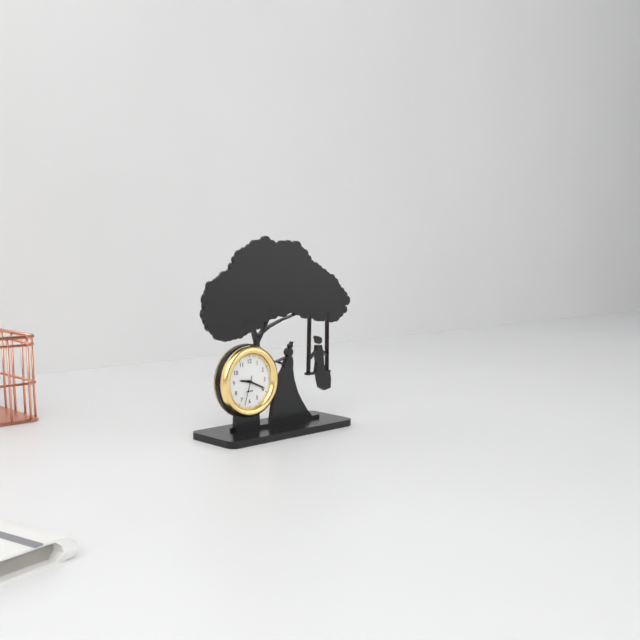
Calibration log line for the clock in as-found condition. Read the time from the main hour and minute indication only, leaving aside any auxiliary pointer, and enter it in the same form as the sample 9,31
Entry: 9,19
